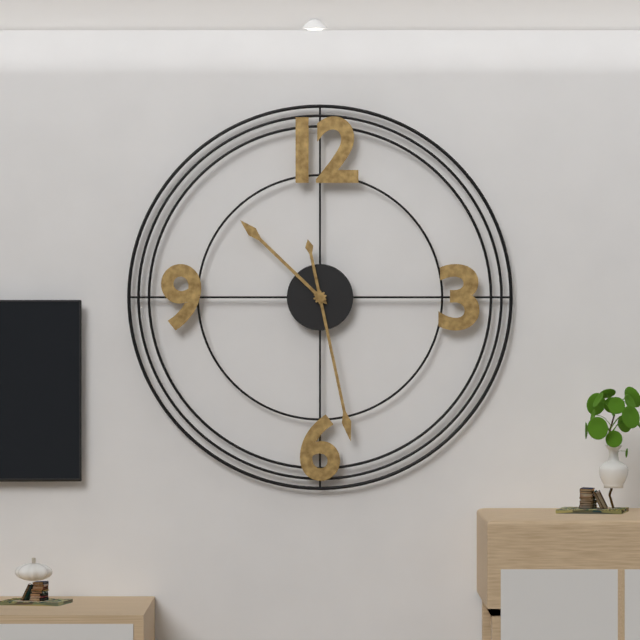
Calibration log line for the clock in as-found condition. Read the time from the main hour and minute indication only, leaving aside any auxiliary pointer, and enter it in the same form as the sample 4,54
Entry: 10,28
